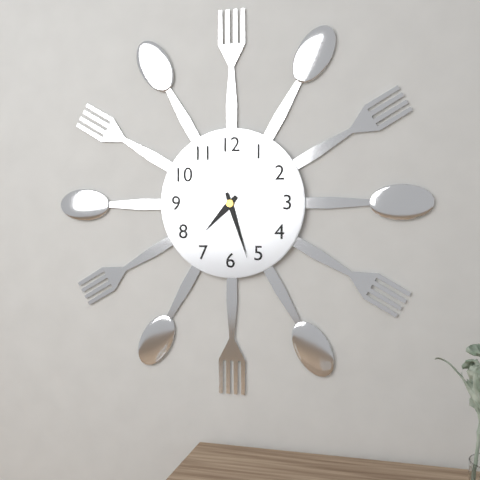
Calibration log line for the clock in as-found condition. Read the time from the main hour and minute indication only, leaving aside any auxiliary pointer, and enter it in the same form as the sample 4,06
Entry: 7,27
